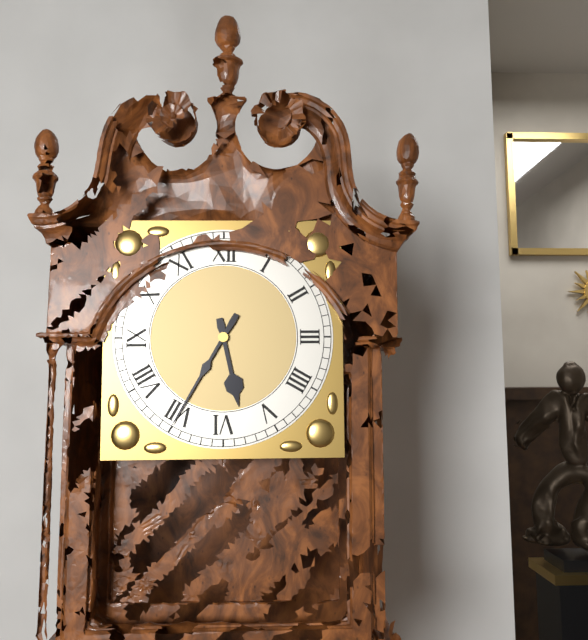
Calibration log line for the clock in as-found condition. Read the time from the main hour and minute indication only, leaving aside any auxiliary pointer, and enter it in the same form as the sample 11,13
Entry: 5,35
